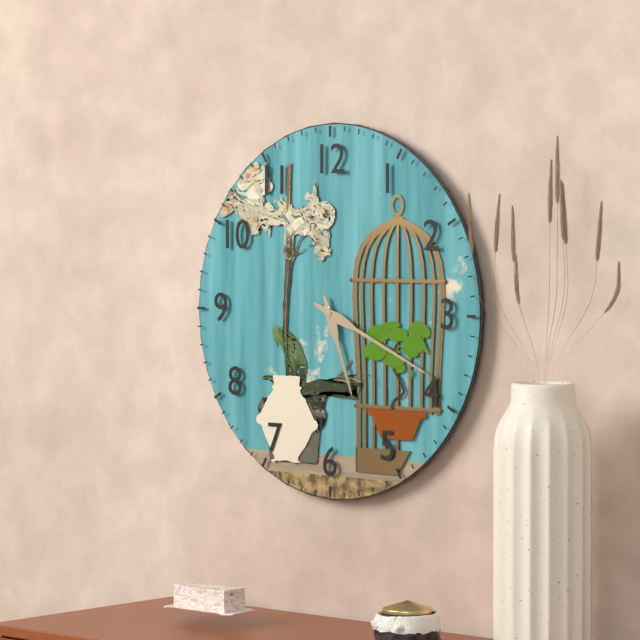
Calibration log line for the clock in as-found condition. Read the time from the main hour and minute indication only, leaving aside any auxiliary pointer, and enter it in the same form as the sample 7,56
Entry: 5,19
